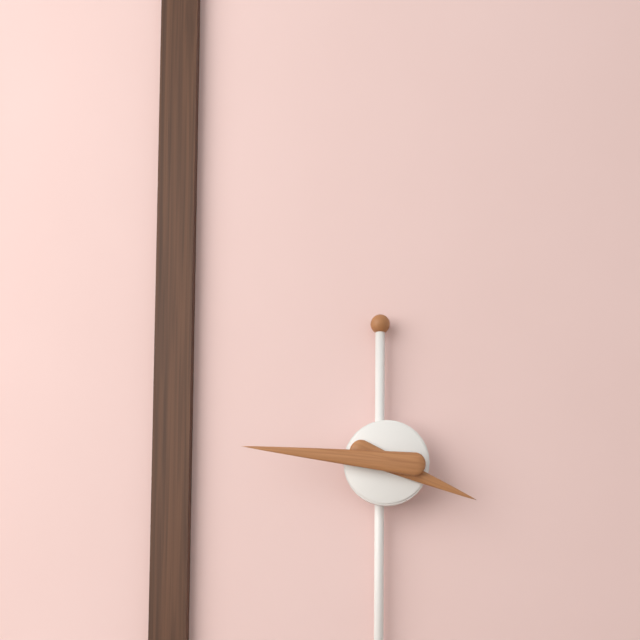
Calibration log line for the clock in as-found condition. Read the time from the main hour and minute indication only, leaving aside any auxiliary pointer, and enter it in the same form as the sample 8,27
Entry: 3,46
